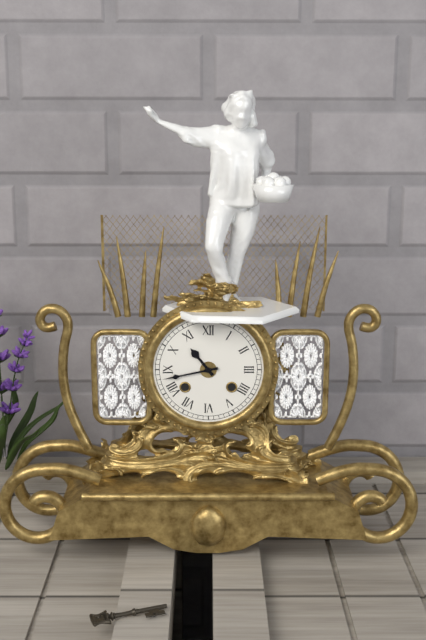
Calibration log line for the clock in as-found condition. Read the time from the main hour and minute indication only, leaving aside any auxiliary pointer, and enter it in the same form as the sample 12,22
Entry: 10,43
